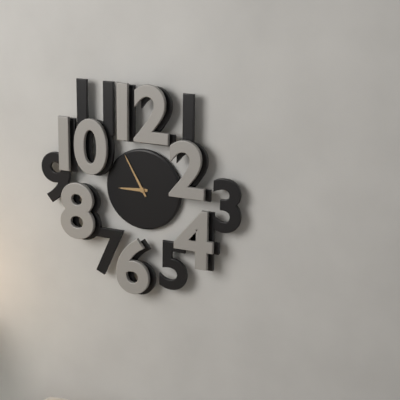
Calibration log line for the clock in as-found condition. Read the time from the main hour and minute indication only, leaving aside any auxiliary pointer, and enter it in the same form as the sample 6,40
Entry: 8,55
